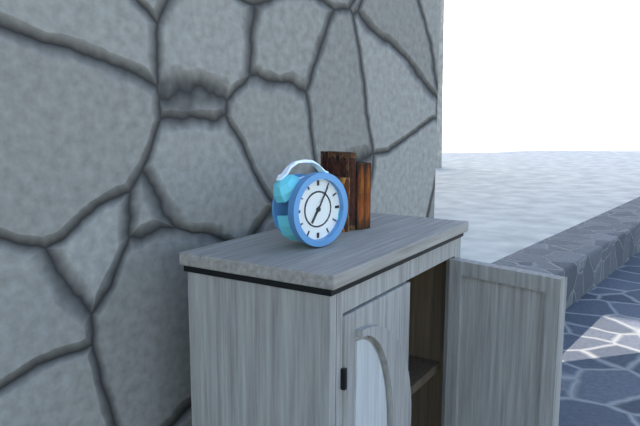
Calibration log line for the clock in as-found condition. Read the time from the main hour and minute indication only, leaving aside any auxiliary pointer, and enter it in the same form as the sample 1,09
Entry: 7,05
